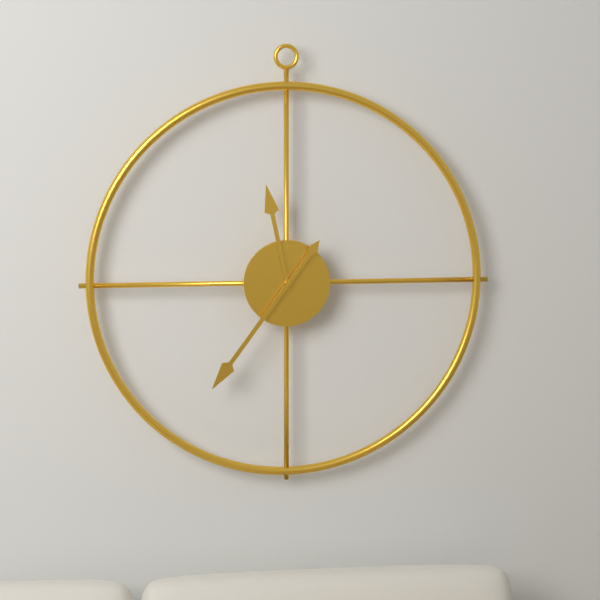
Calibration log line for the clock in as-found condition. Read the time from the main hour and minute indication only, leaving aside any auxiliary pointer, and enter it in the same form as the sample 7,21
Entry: 11,36
